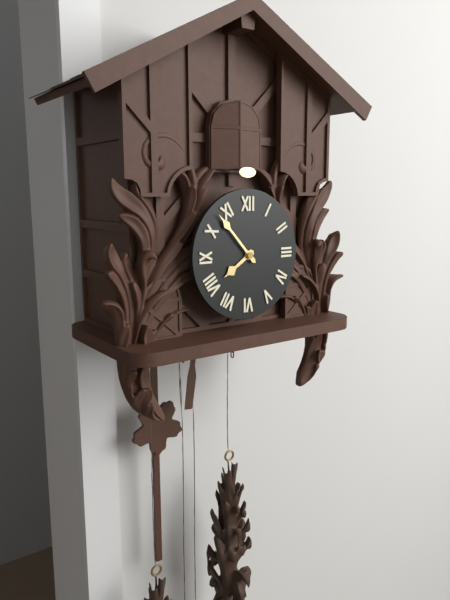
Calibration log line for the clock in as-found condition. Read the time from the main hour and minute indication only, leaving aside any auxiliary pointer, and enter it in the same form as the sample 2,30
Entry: 7,53
